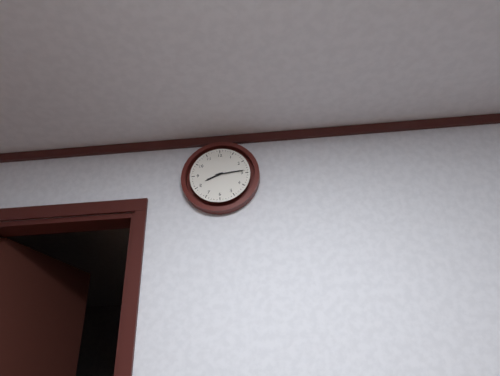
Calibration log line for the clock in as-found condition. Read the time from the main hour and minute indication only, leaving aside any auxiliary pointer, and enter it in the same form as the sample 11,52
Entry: 8,14
